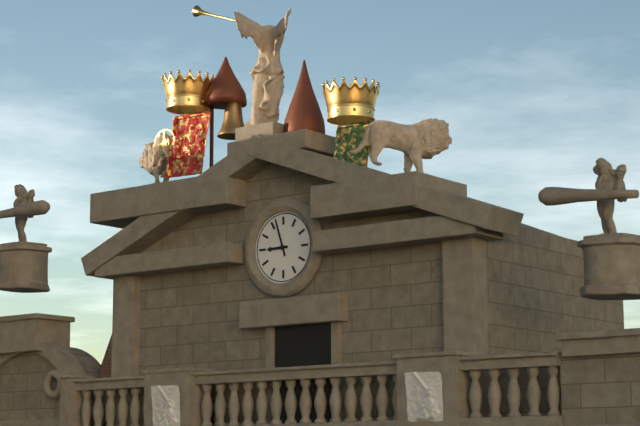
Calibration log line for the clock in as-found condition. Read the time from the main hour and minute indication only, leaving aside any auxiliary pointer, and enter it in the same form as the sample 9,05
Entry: 8,57
